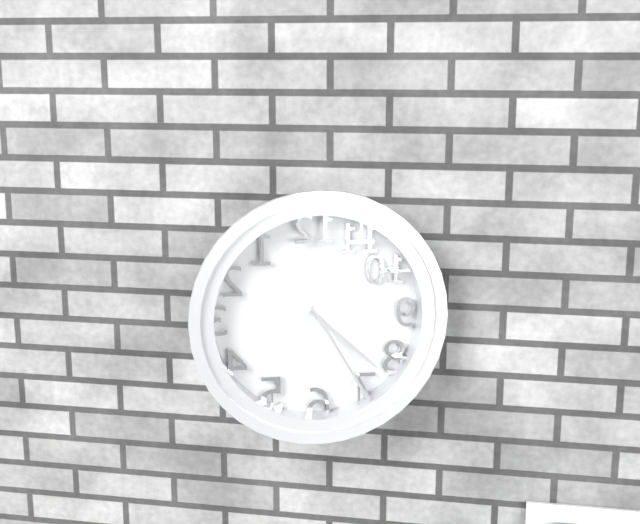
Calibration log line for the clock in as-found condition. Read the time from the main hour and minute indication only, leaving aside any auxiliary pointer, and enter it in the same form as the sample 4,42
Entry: 4,25
